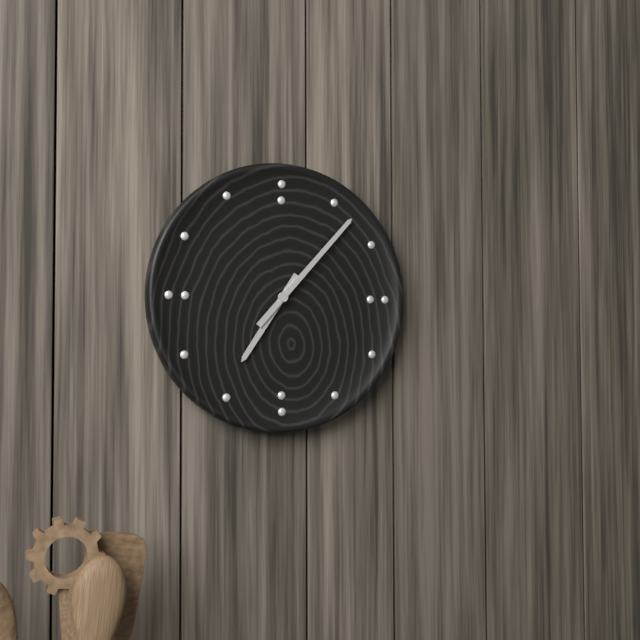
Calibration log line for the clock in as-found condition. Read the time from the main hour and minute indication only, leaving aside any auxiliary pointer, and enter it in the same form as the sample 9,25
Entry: 7,07
